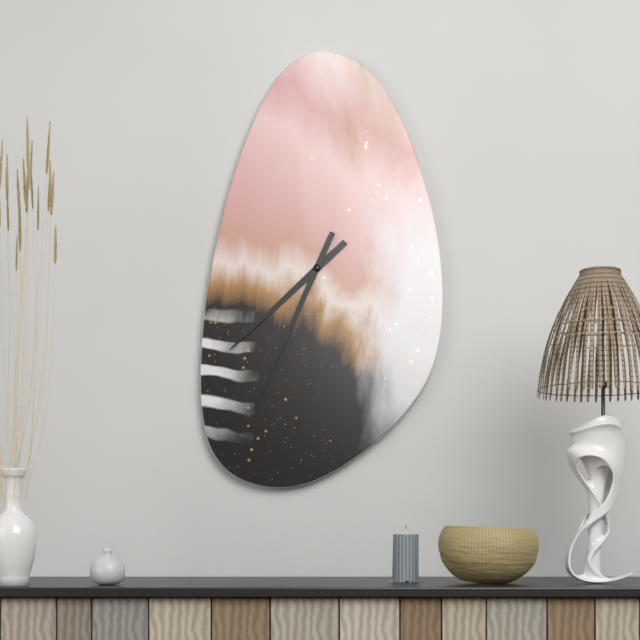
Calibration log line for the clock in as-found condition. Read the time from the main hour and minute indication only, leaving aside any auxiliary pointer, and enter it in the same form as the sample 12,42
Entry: 7,34
